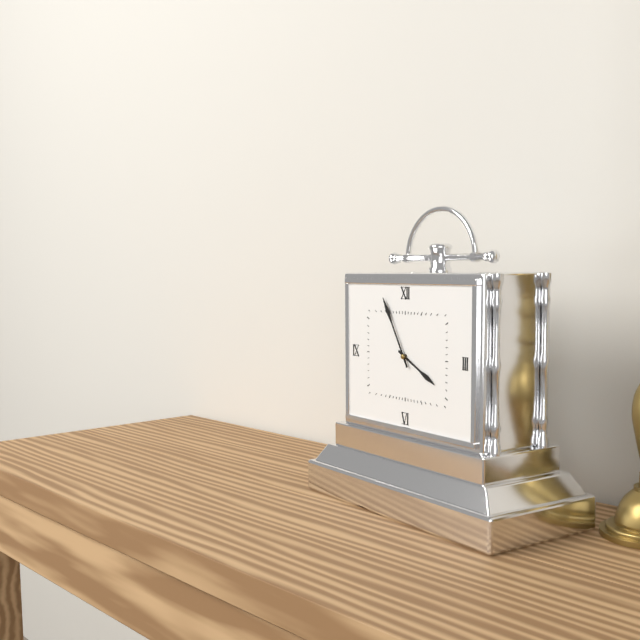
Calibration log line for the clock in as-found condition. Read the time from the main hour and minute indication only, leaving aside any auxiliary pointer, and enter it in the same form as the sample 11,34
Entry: 3,55
